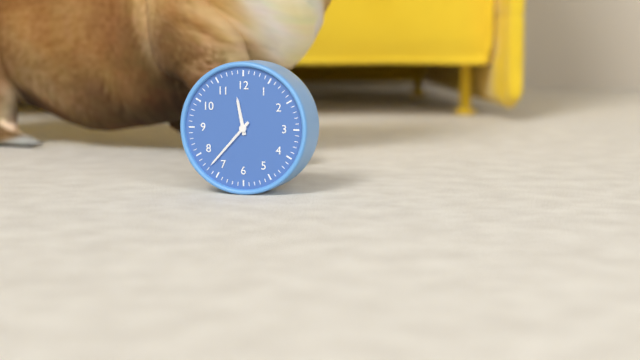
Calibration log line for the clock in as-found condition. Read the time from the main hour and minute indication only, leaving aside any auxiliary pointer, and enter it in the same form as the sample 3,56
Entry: 11,37
